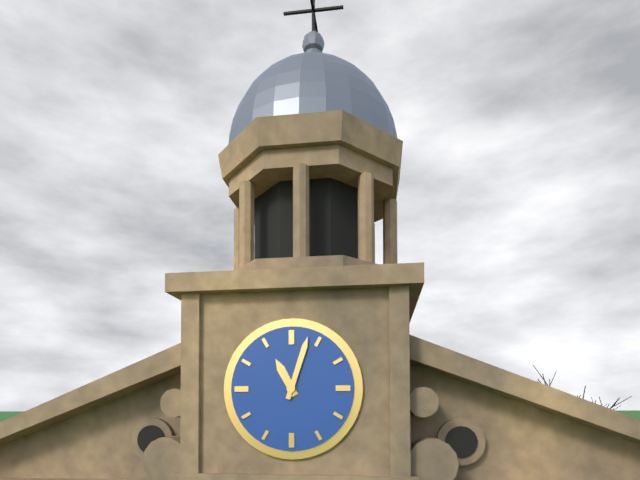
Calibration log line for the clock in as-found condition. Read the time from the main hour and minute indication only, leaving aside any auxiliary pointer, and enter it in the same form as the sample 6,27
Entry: 11,03
